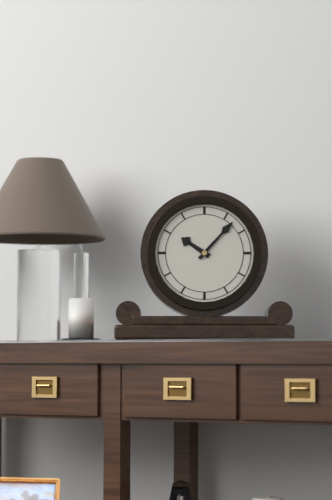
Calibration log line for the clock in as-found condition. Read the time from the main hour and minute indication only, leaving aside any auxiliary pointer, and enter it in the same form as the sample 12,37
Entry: 10,07
